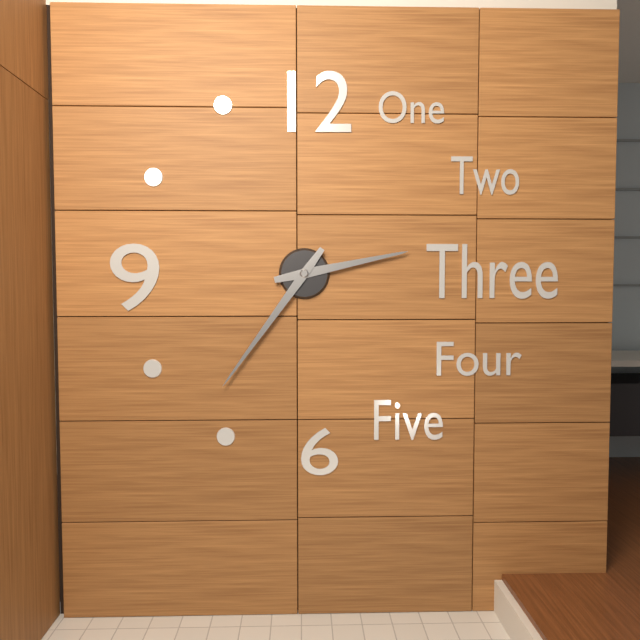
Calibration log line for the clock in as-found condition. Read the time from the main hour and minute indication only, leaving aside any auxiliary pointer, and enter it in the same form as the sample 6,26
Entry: 2,36
